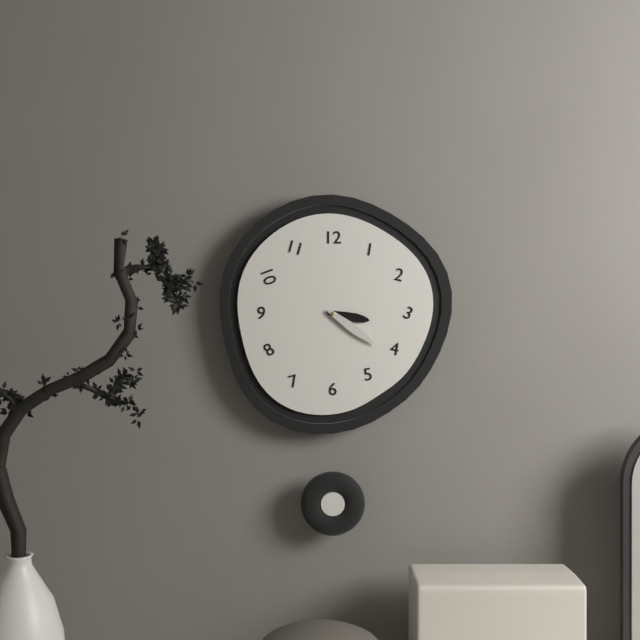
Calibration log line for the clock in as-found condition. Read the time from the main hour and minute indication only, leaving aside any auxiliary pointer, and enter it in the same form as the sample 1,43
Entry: 3,21
